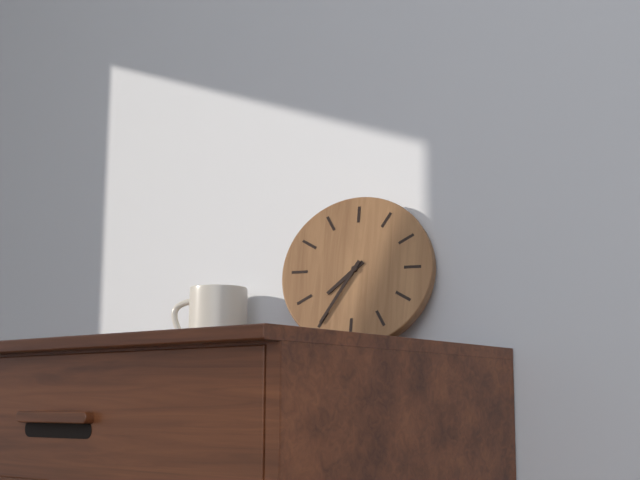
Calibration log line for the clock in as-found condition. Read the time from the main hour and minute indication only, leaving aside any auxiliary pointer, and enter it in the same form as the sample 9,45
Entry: 7,35
